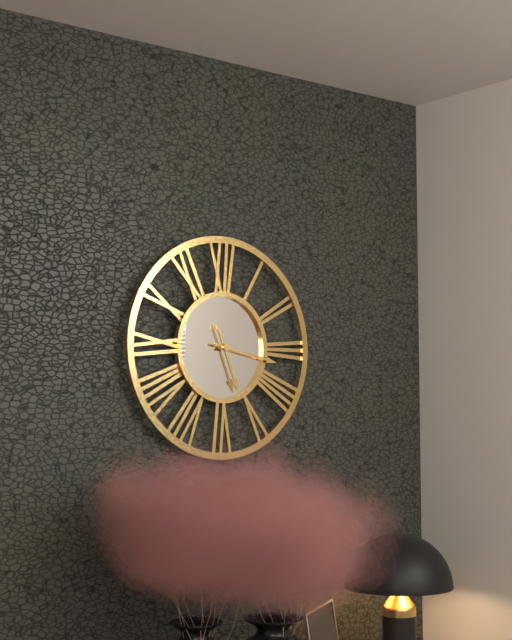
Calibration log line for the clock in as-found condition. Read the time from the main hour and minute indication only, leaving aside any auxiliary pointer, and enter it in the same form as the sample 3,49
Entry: 5,17
